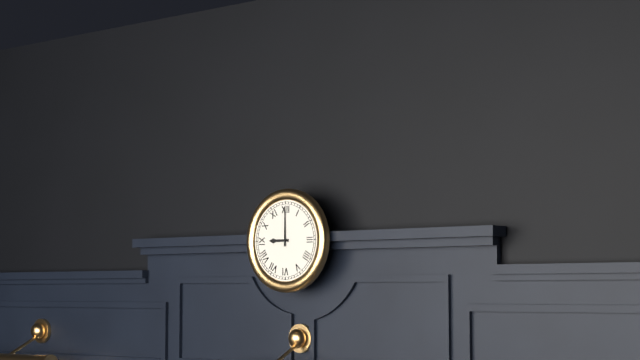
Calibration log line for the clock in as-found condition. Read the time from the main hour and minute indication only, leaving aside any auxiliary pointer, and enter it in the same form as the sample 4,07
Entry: 9,00
